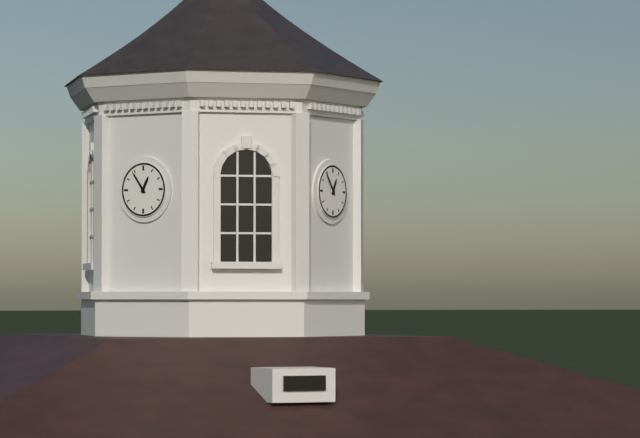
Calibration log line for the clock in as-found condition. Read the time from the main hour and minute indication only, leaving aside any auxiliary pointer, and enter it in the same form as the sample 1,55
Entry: 12,54
